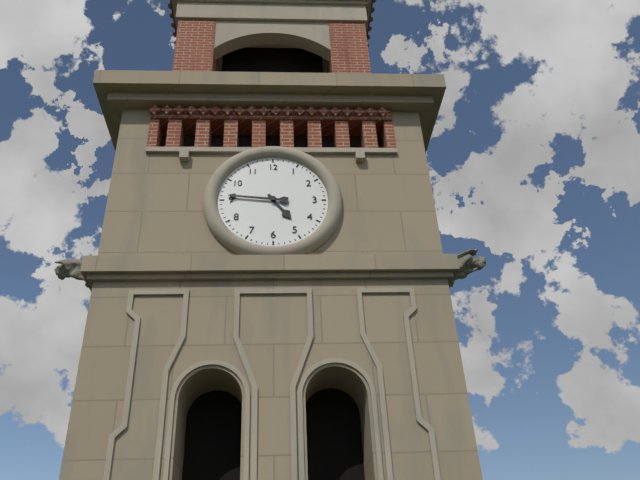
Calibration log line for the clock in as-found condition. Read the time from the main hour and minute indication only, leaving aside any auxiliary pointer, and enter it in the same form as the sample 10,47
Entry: 4,46
